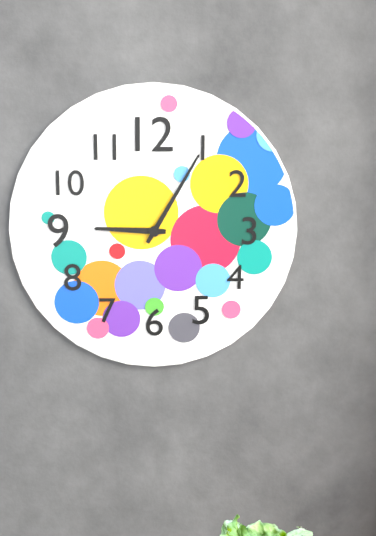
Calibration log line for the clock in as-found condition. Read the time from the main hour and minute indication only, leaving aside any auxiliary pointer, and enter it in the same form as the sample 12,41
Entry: 9,05
